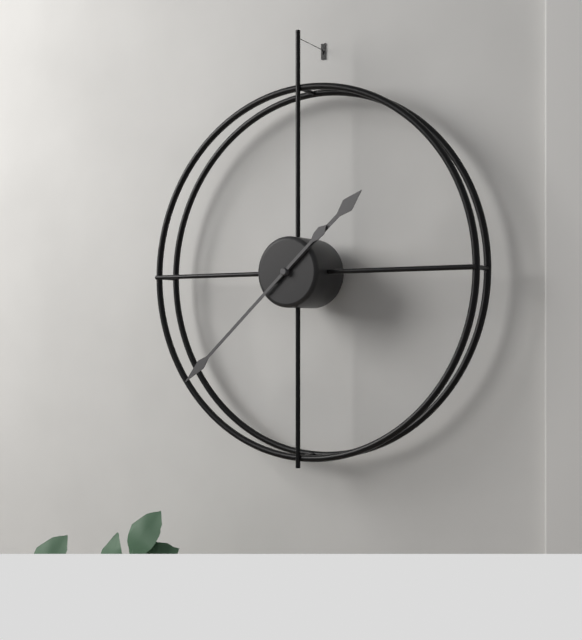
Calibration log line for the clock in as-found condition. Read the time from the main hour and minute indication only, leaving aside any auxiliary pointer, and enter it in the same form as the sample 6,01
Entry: 1,38
